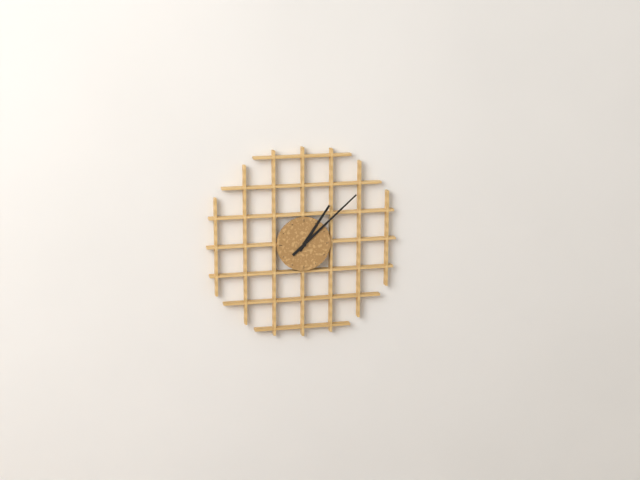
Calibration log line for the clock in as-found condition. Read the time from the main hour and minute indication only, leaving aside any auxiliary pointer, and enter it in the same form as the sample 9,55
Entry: 1,08
